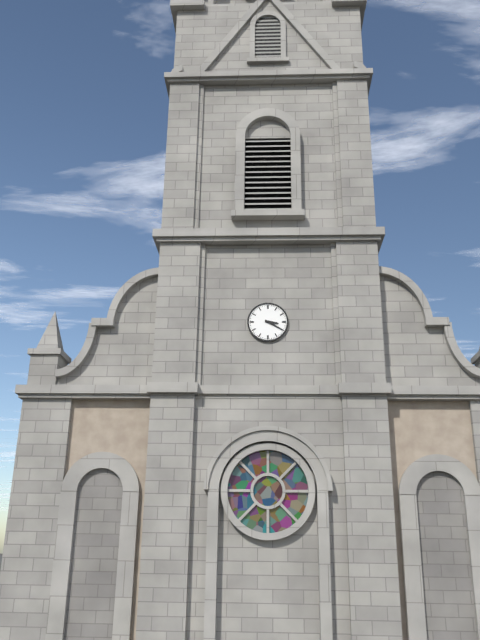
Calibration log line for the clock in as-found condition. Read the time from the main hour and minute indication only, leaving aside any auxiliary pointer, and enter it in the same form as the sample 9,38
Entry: 3,20
